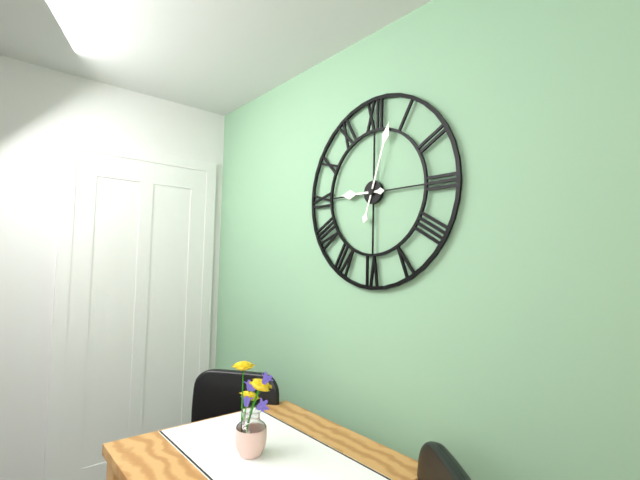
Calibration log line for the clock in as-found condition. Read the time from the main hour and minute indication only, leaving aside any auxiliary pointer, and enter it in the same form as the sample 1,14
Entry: 9,03
